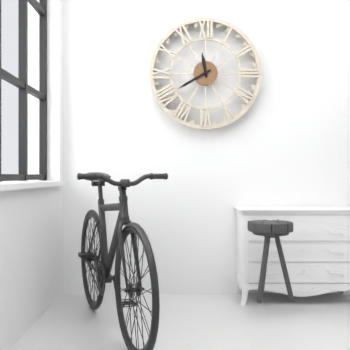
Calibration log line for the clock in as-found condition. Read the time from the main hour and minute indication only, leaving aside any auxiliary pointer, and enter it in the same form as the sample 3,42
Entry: 11,40
